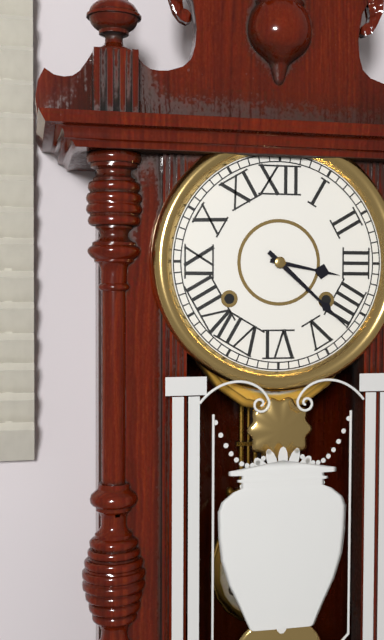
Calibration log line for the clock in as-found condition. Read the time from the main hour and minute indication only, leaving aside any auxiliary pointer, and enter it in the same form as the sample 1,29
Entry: 3,22
